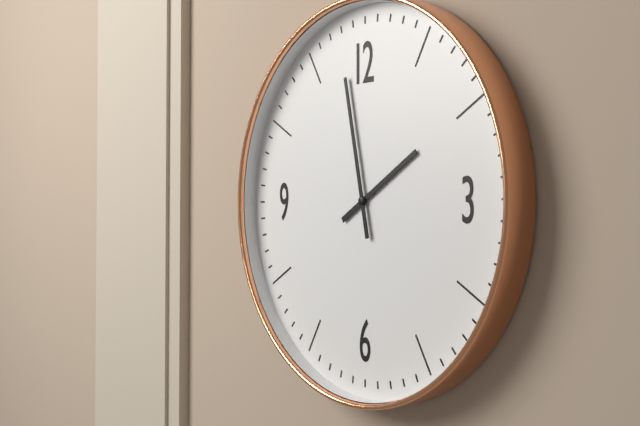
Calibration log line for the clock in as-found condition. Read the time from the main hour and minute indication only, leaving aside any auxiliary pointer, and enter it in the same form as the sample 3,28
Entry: 1,58
